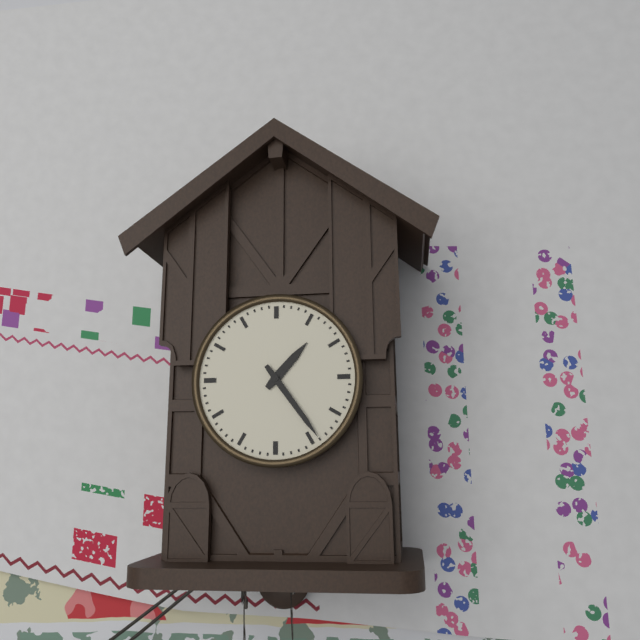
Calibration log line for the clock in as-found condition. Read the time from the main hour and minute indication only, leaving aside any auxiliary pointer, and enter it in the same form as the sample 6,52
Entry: 1,24
